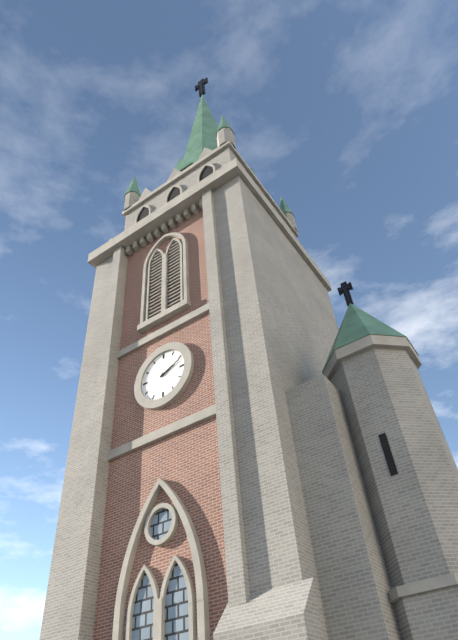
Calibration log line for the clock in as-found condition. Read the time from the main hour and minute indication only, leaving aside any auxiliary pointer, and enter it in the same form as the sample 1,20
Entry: 2,11
